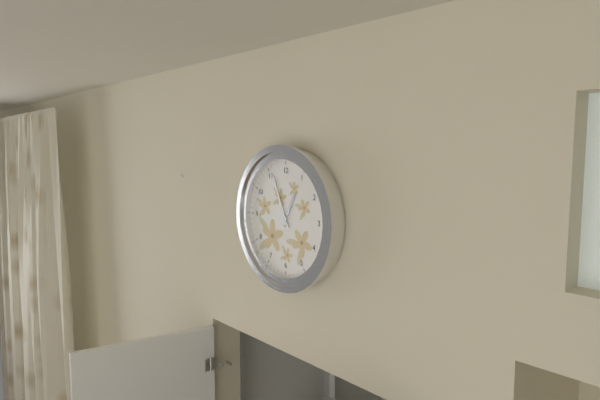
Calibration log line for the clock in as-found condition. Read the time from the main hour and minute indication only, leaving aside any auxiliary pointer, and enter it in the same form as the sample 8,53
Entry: 12,56
